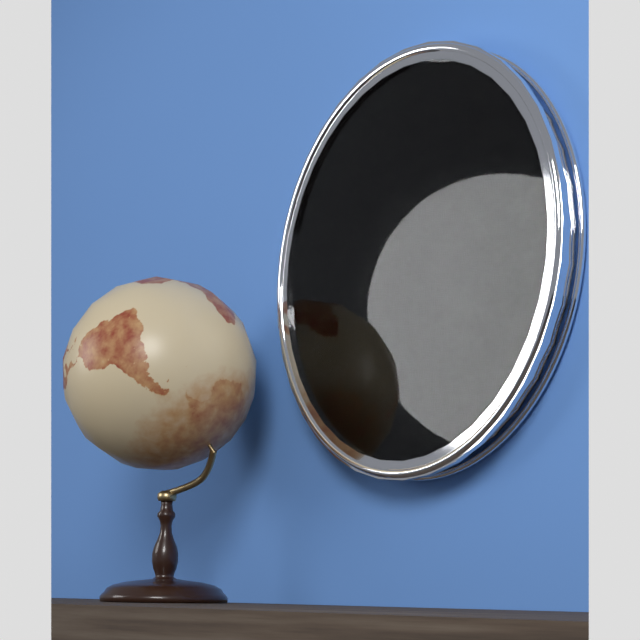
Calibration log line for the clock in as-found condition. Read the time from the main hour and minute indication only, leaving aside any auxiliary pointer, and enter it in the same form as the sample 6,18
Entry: 11,58
